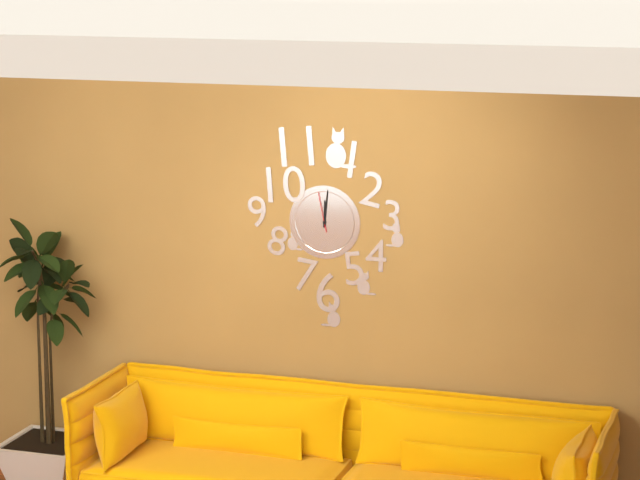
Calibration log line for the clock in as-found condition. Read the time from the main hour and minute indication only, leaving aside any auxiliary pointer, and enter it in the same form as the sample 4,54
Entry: 12,01
